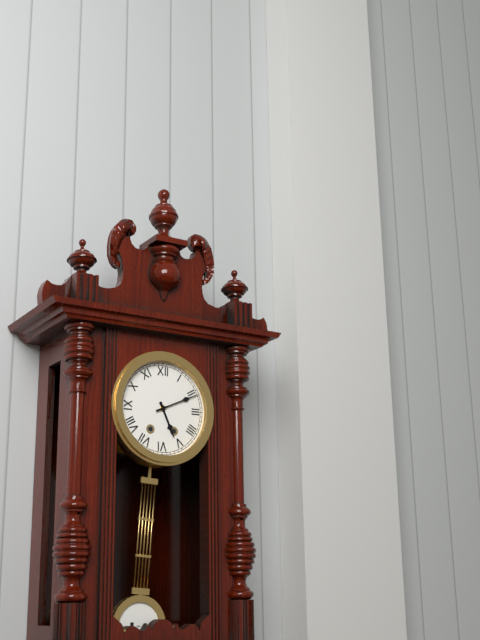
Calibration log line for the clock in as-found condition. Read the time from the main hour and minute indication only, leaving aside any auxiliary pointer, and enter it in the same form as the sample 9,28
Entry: 5,11
